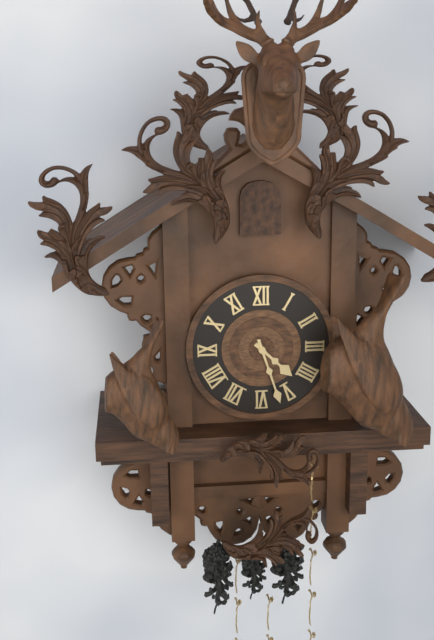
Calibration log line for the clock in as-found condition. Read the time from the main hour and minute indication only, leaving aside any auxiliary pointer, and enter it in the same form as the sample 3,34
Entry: 4,27
